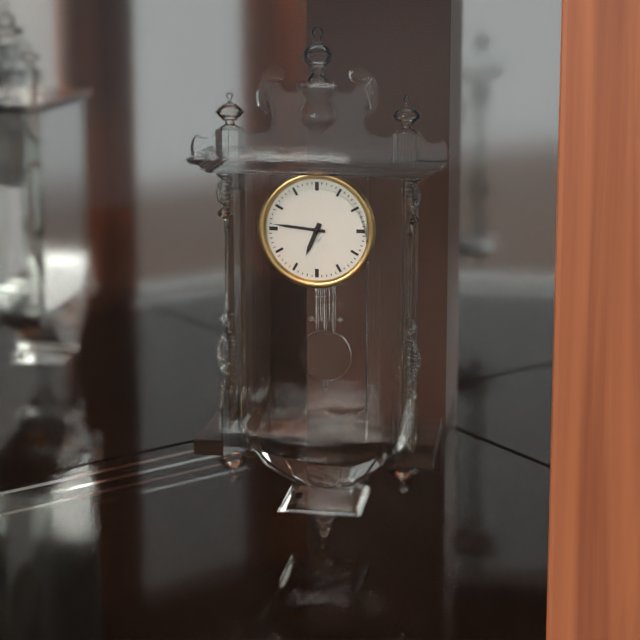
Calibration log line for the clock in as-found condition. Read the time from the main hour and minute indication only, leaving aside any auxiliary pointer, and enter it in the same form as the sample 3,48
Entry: 6,46
